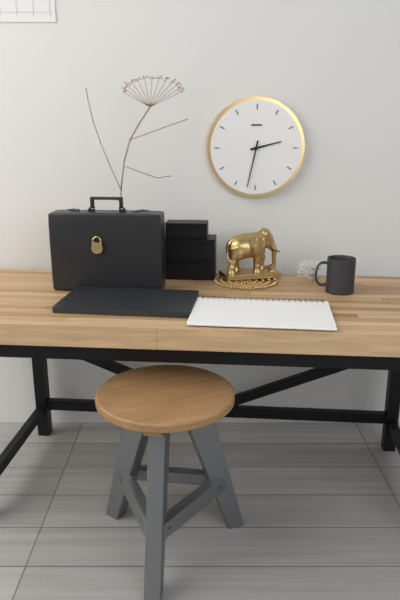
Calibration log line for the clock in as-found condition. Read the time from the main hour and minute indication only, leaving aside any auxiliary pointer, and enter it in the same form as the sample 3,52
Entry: 2,32
